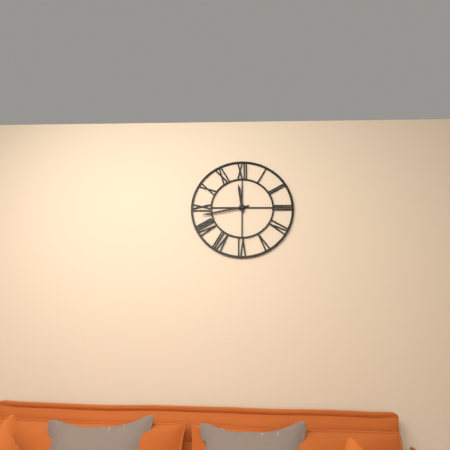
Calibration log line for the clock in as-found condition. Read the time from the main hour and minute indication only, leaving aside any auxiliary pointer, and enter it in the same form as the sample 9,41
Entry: 11,43
